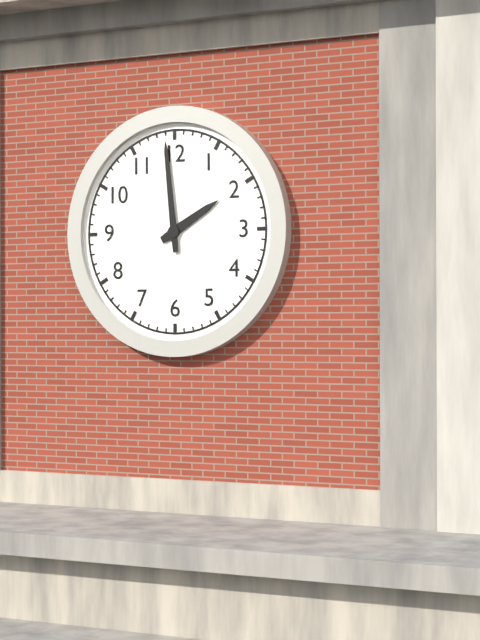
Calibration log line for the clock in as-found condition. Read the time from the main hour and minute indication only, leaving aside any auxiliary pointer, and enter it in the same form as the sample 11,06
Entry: 1,59
